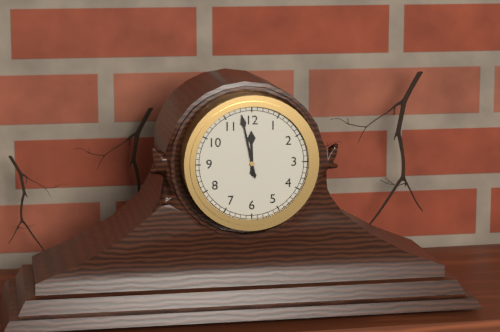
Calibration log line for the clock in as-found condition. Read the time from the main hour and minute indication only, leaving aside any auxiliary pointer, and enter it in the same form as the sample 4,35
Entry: 11,58
